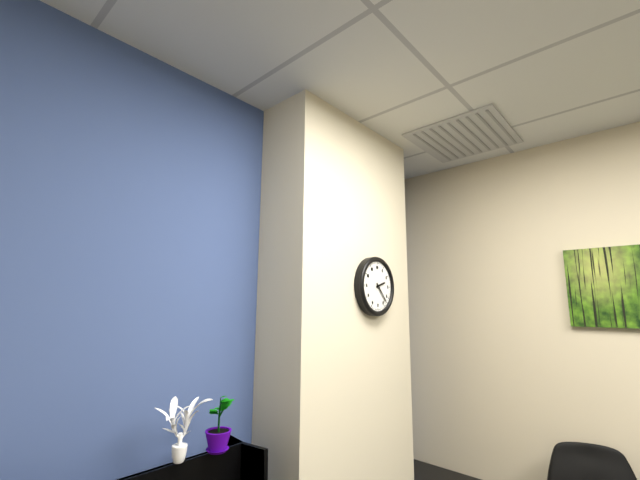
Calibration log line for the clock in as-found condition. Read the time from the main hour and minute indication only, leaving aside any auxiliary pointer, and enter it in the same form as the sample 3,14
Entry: 2,23
